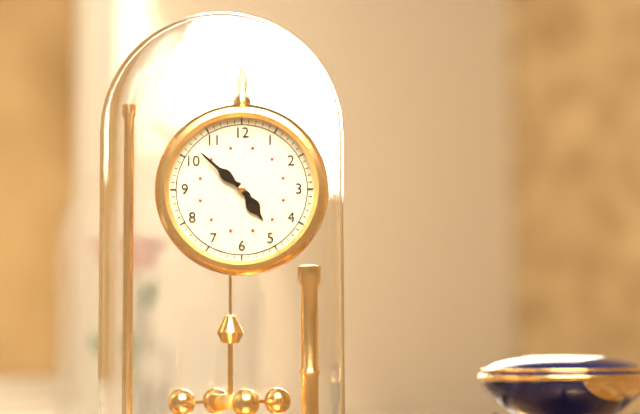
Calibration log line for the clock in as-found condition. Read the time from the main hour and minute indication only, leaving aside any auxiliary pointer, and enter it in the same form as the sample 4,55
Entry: 4,52
